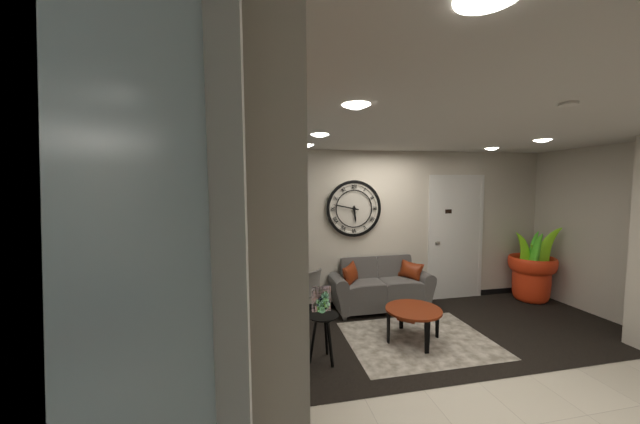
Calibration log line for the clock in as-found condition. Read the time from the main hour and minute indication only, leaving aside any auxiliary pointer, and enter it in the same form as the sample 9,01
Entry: 5,47
